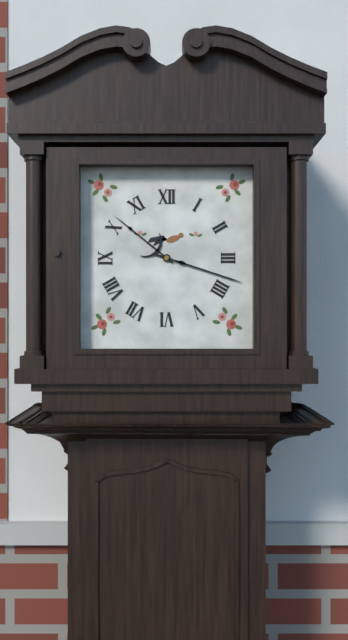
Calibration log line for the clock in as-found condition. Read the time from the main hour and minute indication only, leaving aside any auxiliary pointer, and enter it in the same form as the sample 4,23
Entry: 10,18
